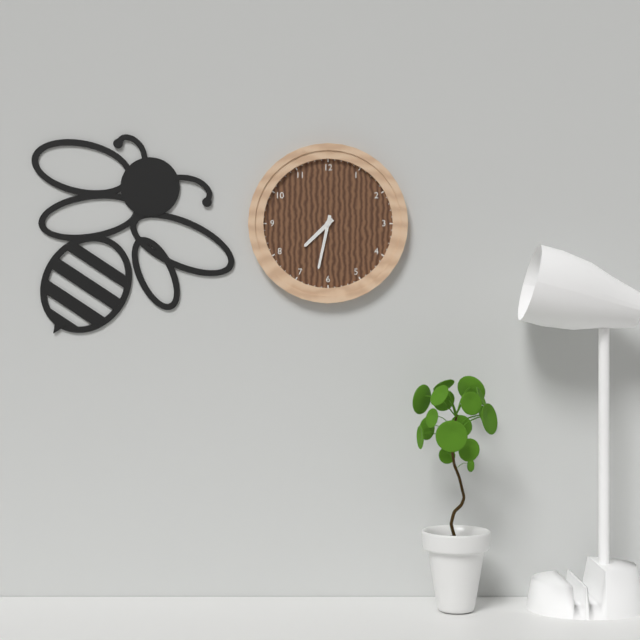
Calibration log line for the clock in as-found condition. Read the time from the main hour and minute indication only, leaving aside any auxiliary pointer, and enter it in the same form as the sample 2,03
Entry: 7,32
